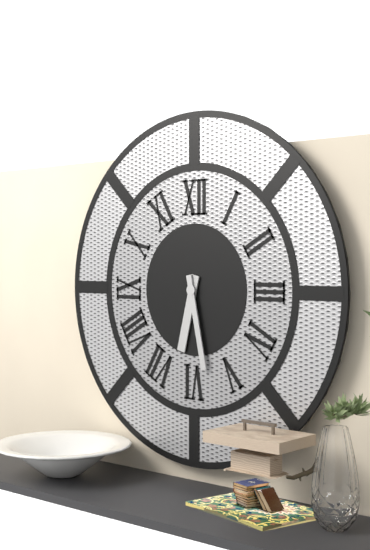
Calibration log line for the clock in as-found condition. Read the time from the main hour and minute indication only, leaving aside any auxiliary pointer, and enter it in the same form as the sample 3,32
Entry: 6,28
